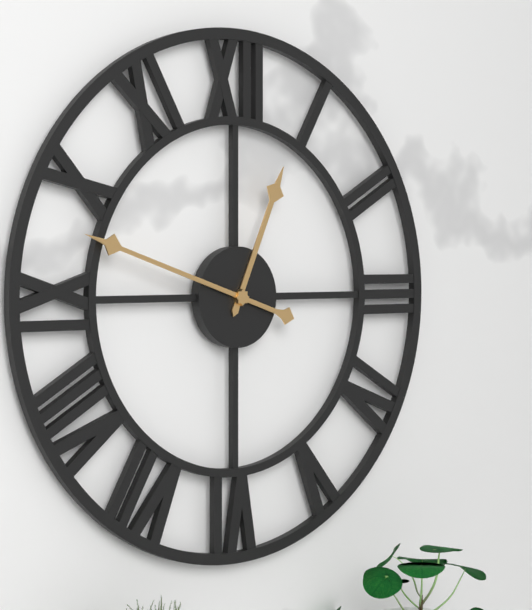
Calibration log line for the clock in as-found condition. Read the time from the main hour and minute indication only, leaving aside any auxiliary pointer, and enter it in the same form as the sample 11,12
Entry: 12,48
